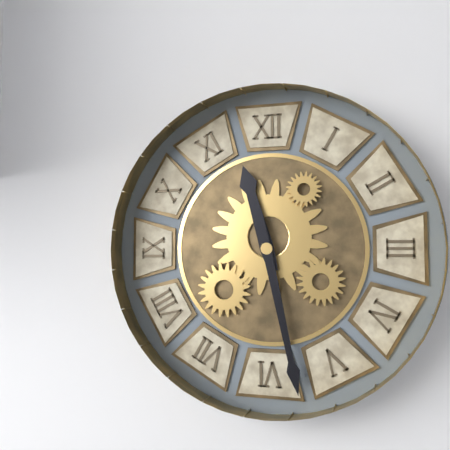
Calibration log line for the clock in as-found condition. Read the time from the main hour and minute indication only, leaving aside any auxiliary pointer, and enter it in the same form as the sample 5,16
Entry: 11,28
